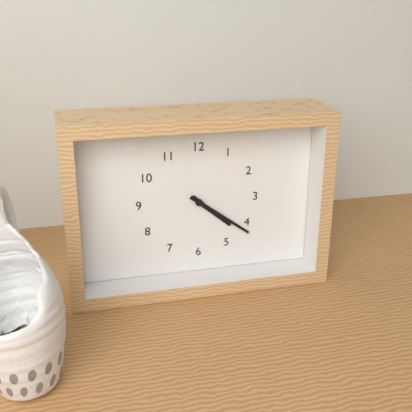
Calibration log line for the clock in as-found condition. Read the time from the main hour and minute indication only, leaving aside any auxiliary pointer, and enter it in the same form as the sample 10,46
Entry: 4,21
